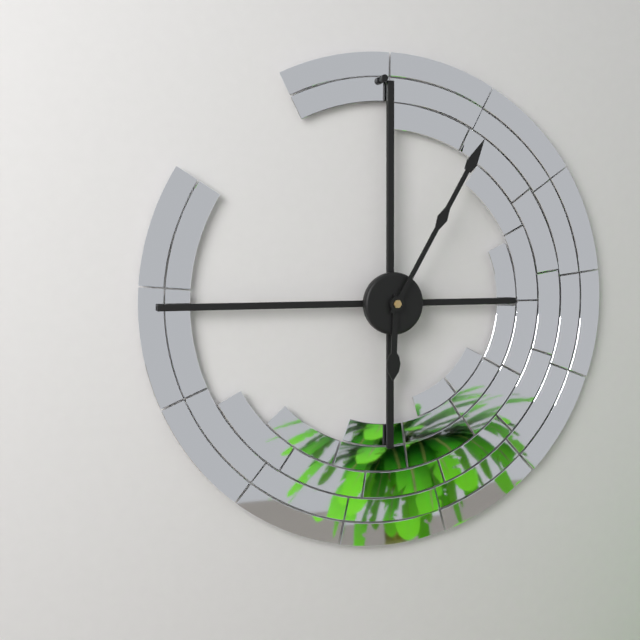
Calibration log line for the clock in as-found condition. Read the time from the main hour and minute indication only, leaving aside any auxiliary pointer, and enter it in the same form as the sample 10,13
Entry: 6,05
